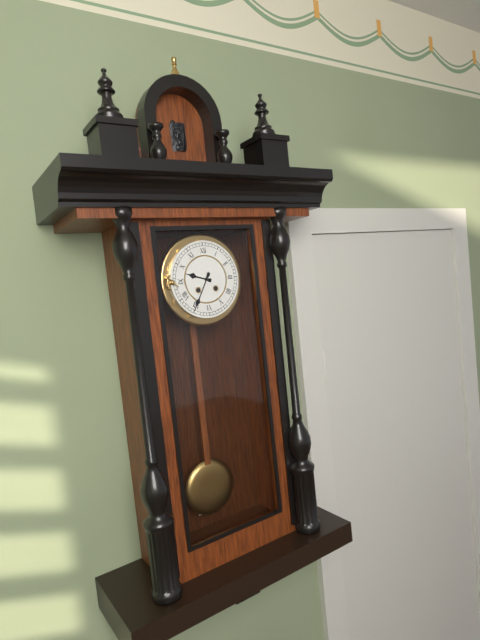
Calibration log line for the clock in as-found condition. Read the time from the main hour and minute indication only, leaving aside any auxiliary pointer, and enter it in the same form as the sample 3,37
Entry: 9,35
